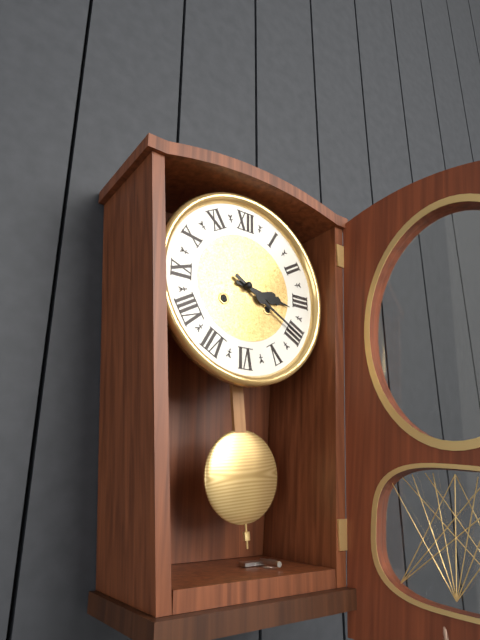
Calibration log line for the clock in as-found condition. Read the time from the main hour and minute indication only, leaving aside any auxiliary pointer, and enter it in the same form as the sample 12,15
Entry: 3,20
